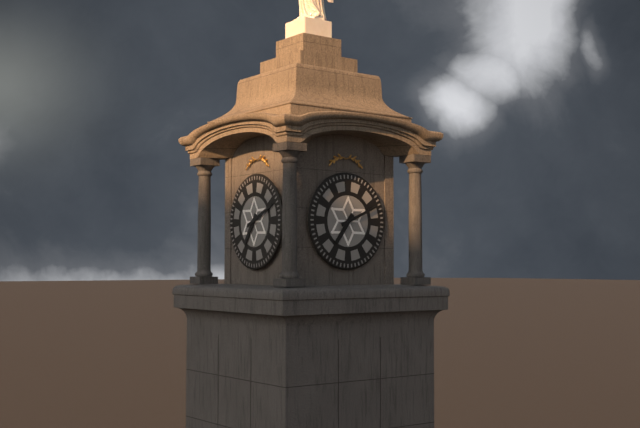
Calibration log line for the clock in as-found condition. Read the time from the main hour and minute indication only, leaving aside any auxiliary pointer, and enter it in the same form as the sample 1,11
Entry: 7,11
